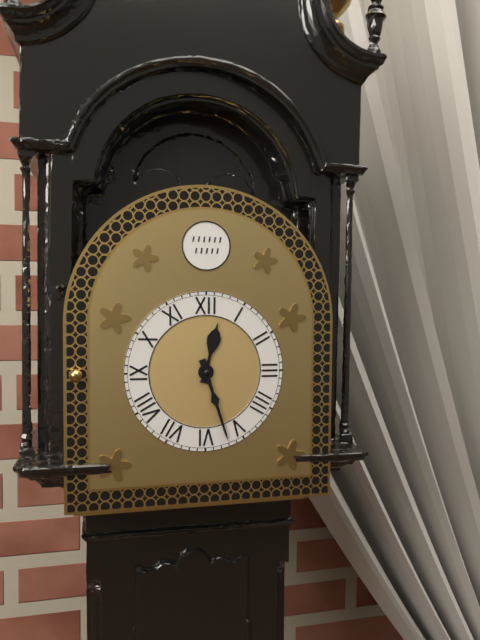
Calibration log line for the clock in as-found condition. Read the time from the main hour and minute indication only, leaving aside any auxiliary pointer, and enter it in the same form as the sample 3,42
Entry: 12,27
